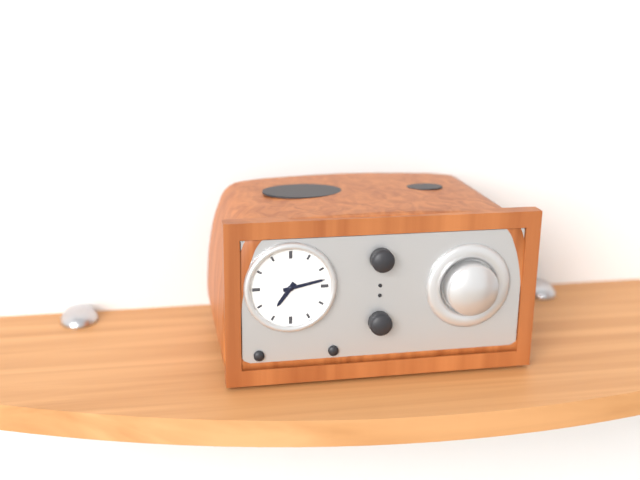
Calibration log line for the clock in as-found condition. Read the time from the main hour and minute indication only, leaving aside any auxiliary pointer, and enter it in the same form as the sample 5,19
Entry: 7,13
